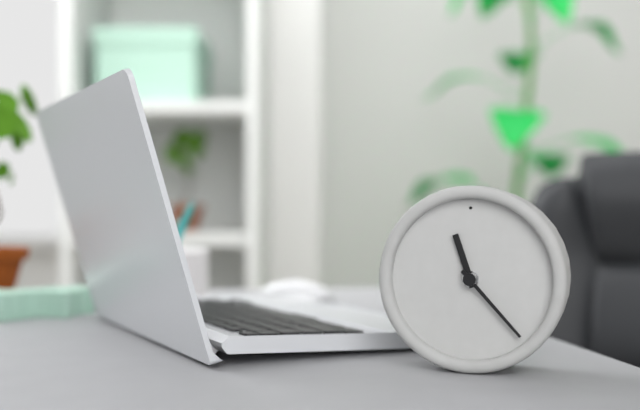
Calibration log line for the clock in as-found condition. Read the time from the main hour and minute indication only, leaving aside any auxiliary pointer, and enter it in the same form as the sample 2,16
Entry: 11,23
